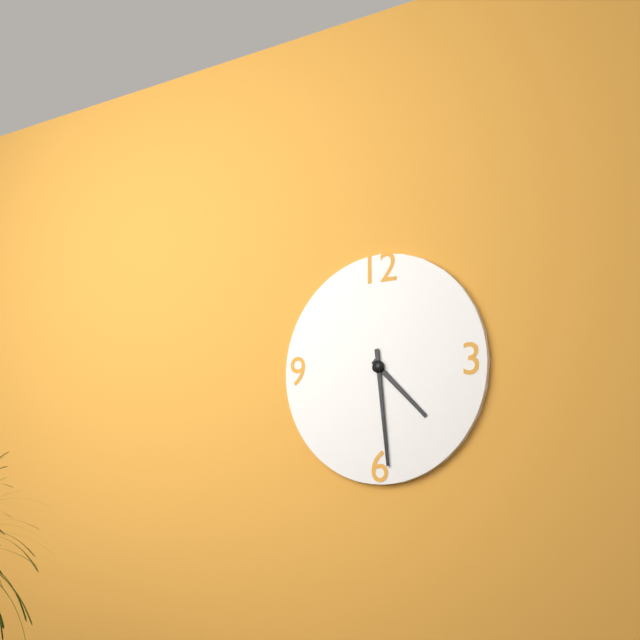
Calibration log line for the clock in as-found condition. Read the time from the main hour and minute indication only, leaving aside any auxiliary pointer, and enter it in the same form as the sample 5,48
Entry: 4,29
